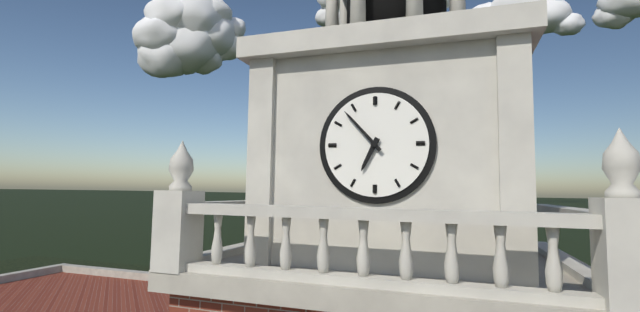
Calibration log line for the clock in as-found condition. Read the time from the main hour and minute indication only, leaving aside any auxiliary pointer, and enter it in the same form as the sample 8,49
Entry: 6,53
